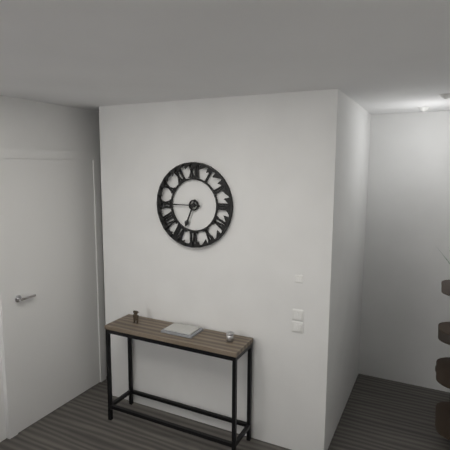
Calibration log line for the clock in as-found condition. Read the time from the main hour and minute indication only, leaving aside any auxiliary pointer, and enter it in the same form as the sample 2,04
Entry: 6,45
